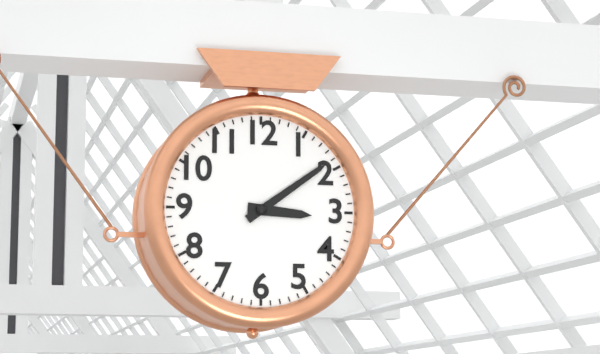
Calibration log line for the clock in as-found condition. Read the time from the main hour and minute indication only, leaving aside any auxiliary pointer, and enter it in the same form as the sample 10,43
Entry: 3,09
